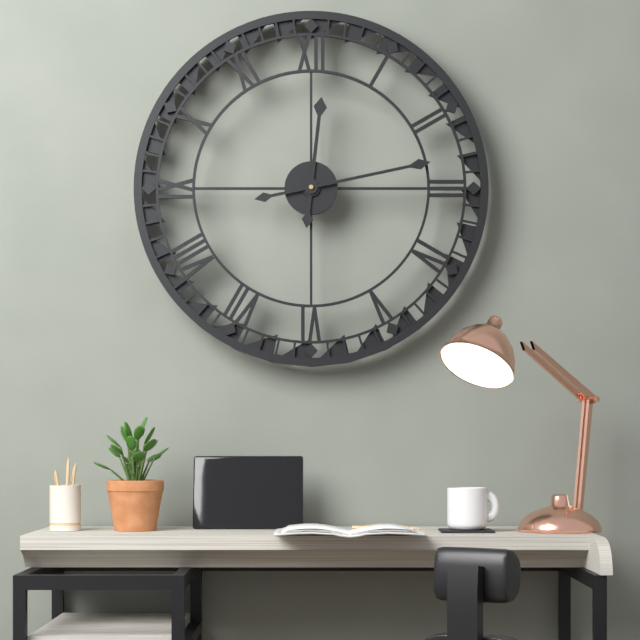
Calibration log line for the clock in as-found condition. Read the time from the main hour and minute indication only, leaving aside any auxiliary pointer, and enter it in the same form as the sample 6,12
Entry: 12,13
